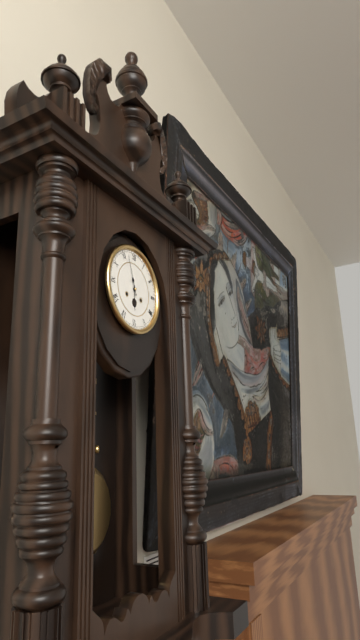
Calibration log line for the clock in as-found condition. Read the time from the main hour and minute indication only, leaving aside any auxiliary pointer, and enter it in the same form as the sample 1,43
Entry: 5,57
